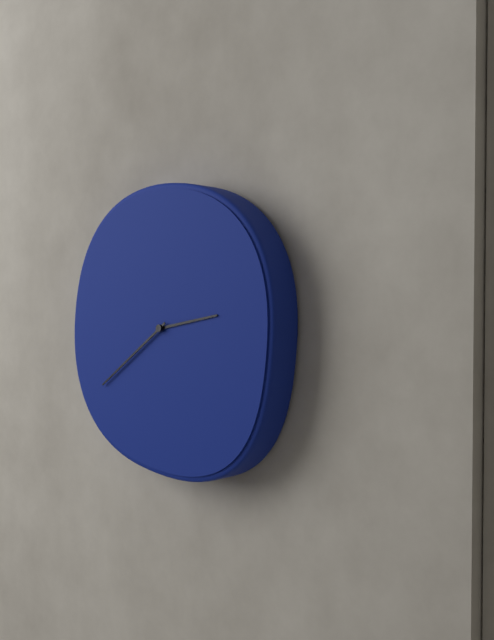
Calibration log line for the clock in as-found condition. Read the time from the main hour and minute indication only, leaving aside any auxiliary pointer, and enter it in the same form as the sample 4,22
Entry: 2,39
